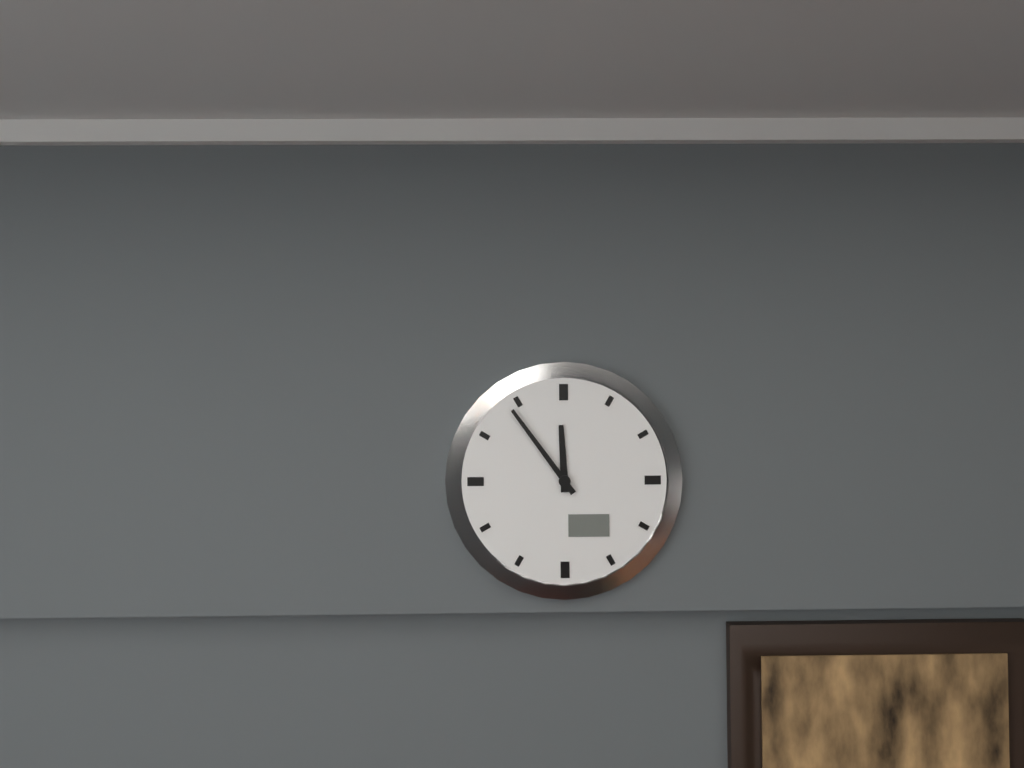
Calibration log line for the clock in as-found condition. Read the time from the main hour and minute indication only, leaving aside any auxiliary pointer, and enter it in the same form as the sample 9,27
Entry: 11,54
